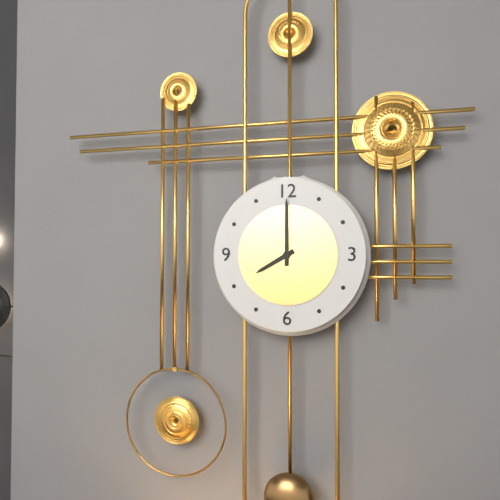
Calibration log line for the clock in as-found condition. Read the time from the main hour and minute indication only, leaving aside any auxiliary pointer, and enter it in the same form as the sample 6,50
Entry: 8,00
